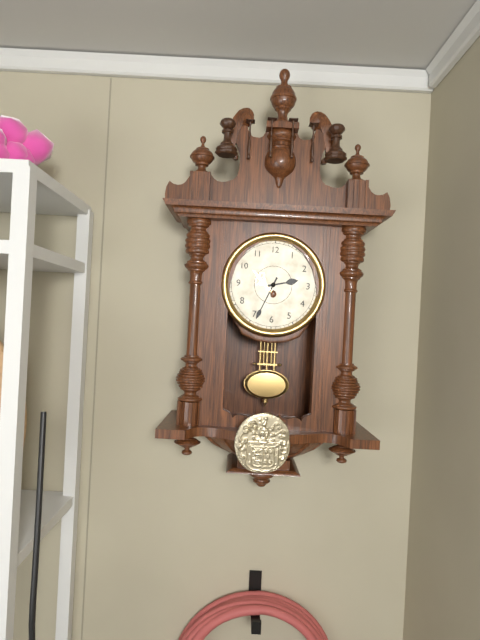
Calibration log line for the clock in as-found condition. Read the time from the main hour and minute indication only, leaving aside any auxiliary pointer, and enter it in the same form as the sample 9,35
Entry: 2,34
